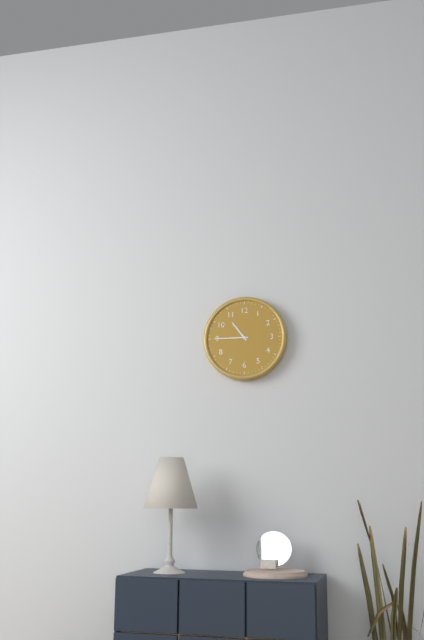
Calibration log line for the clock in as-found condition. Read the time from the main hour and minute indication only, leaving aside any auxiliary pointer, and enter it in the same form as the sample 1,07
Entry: 10,45
